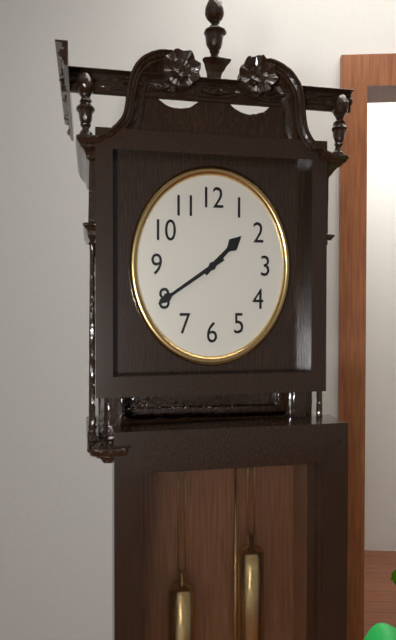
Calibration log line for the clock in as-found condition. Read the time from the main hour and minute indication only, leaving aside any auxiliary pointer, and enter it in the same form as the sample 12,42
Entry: 1,40
